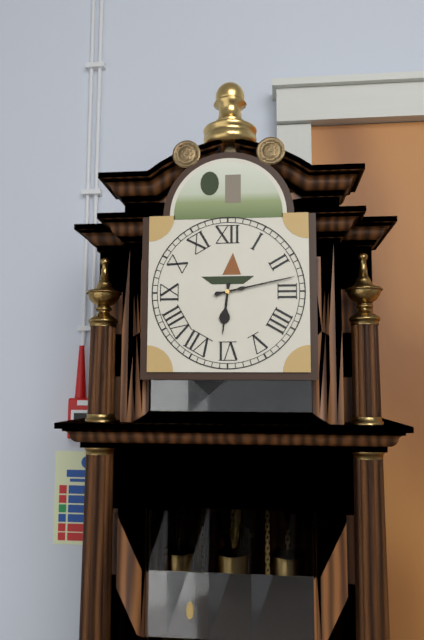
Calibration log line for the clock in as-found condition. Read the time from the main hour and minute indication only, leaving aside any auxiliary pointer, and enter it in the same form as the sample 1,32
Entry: 6,13
